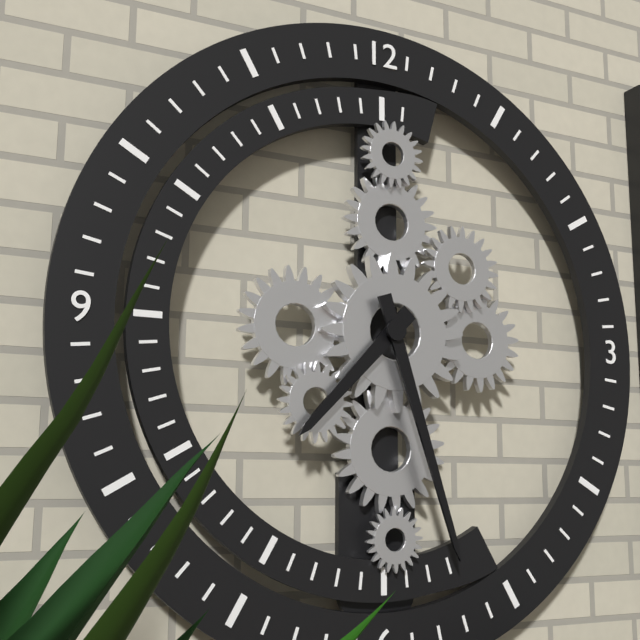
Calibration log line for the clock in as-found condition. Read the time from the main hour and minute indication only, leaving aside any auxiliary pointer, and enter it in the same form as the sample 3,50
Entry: 7,27
